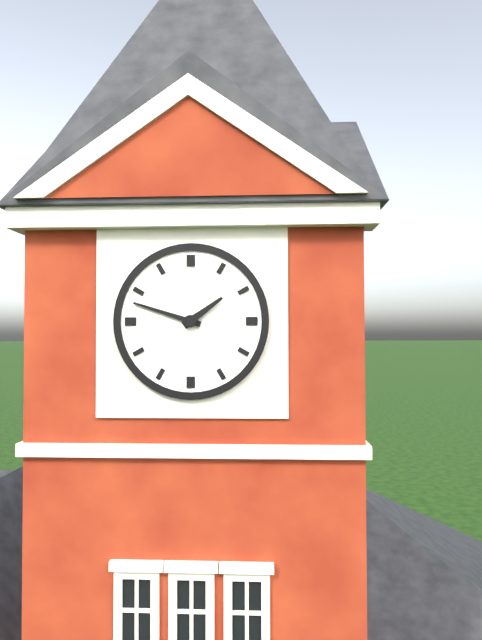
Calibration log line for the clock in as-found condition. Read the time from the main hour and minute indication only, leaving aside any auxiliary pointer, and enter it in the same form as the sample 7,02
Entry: 1,48
